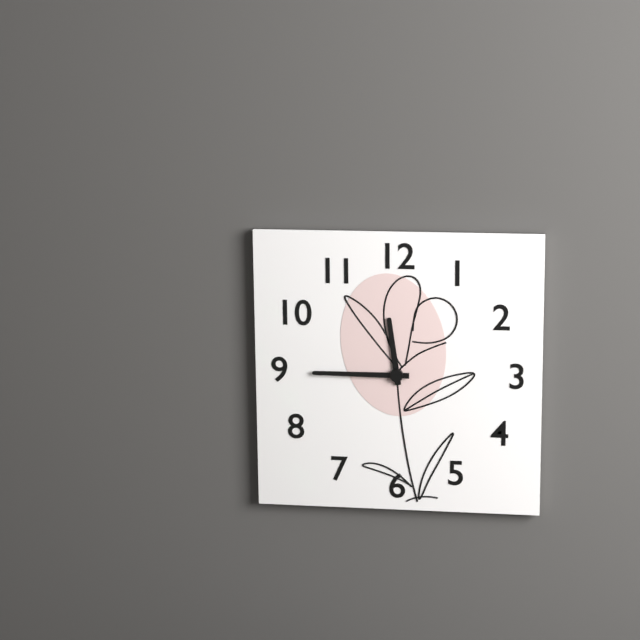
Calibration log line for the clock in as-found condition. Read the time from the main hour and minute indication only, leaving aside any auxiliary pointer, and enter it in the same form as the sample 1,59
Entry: 11,45
